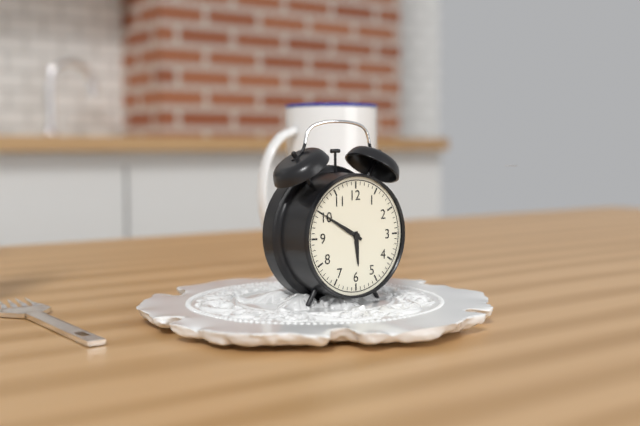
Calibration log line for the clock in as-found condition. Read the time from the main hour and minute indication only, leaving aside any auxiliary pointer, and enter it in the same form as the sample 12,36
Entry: 5,50
